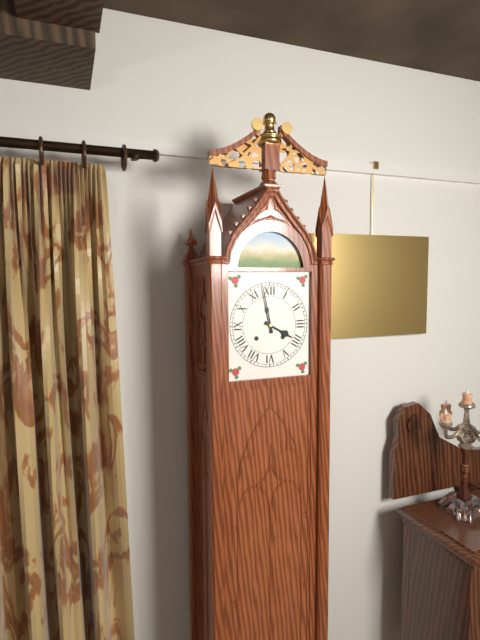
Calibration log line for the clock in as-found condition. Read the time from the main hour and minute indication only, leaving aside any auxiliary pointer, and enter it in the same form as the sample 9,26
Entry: 3,58
